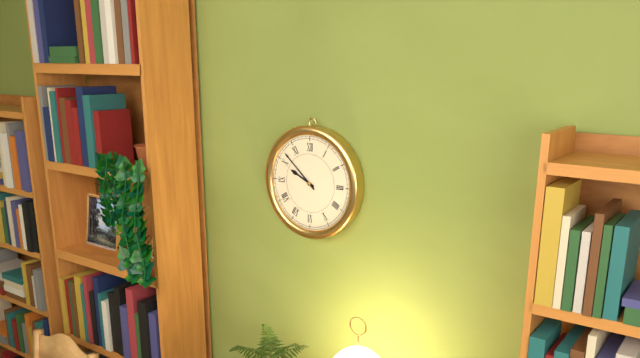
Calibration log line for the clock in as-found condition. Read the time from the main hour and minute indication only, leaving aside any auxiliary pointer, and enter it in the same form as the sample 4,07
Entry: 9,52
